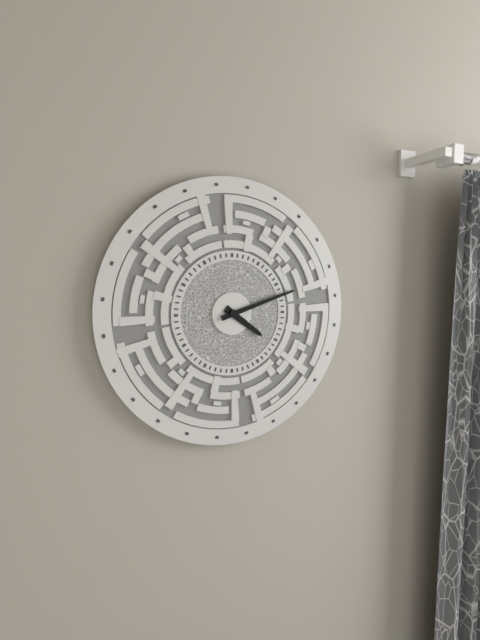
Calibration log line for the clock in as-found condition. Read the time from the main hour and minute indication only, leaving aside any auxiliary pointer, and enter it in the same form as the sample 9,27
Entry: 4,12
